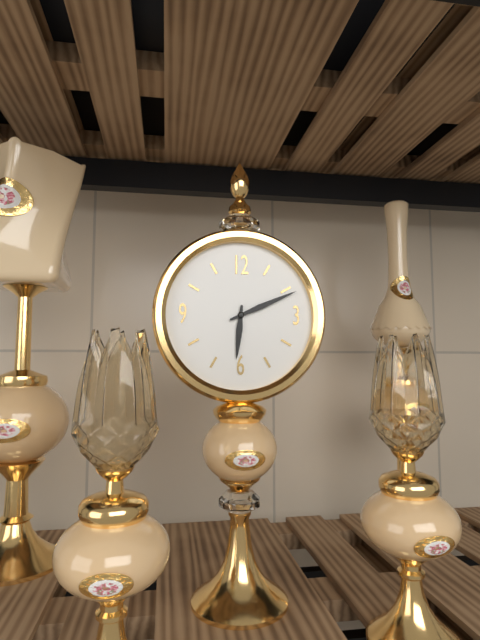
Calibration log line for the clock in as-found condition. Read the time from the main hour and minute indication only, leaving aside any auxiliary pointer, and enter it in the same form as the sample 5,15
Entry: 6,11
